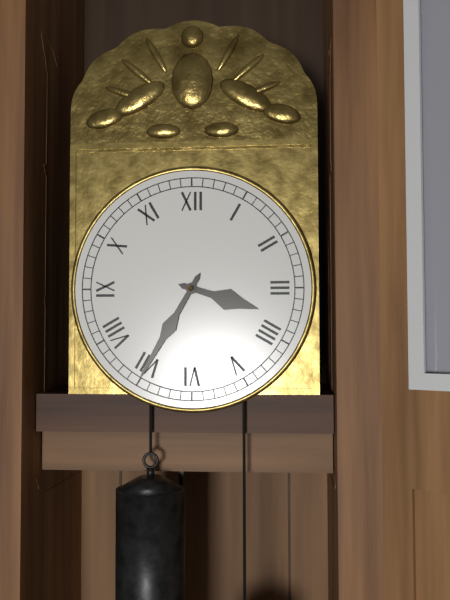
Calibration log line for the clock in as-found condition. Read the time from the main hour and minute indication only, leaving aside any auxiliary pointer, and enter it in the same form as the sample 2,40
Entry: 3,35
